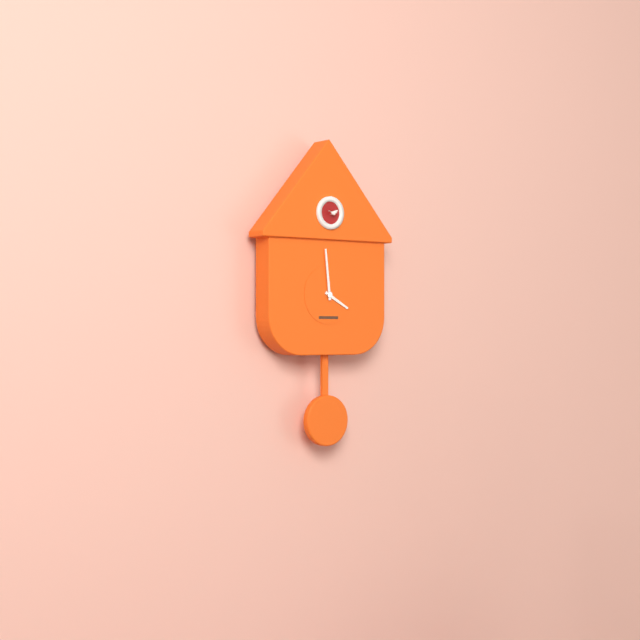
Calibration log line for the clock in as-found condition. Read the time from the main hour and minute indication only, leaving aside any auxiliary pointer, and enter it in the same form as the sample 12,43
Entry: 3,59
